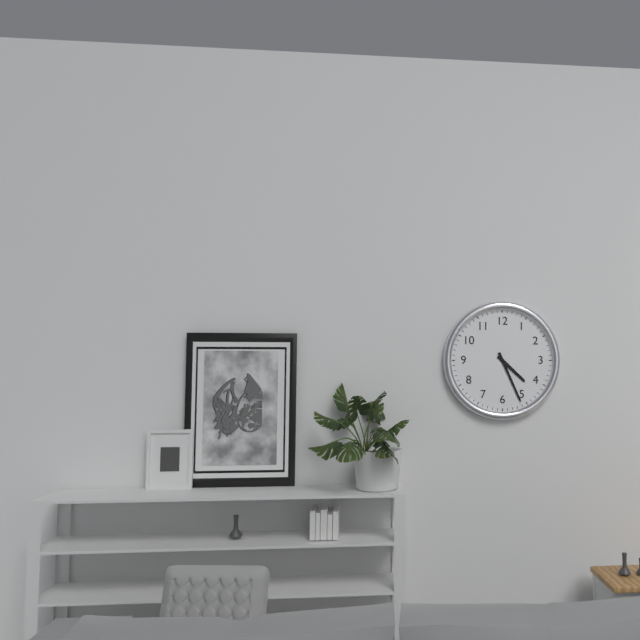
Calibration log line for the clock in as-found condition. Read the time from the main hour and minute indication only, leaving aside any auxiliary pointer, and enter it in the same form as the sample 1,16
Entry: 4,26
